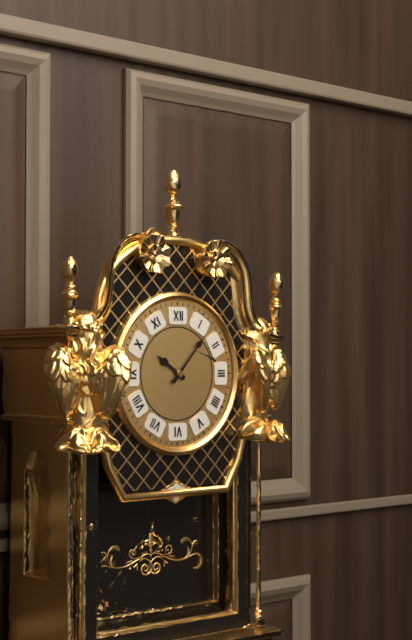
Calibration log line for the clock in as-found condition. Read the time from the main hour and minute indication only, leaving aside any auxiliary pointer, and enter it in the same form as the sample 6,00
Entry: 10,07
